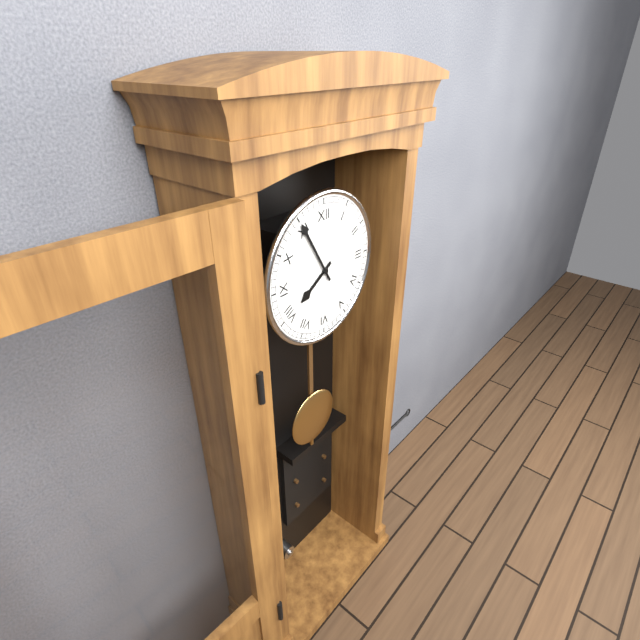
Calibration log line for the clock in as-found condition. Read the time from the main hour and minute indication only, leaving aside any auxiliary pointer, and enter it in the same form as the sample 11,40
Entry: 7,55
